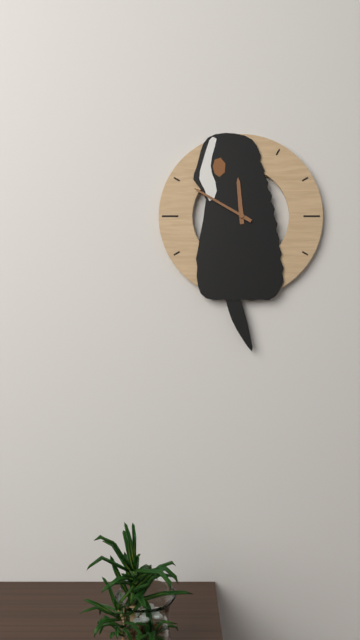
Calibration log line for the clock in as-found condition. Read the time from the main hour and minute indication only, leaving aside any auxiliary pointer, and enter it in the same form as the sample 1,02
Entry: 11,50
